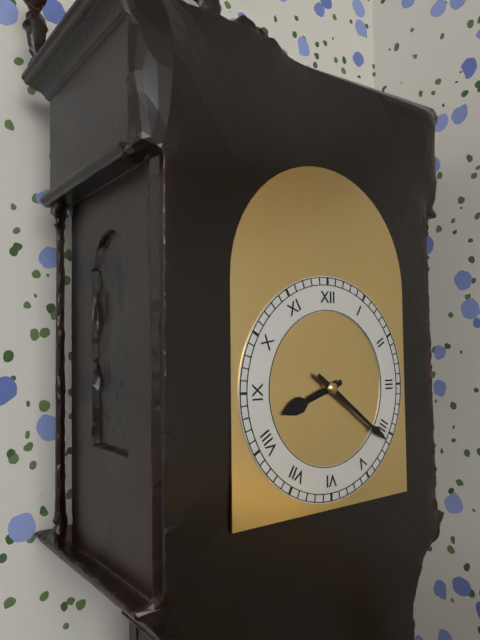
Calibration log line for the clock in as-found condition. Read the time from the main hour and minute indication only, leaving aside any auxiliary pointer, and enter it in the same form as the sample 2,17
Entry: 8,21
